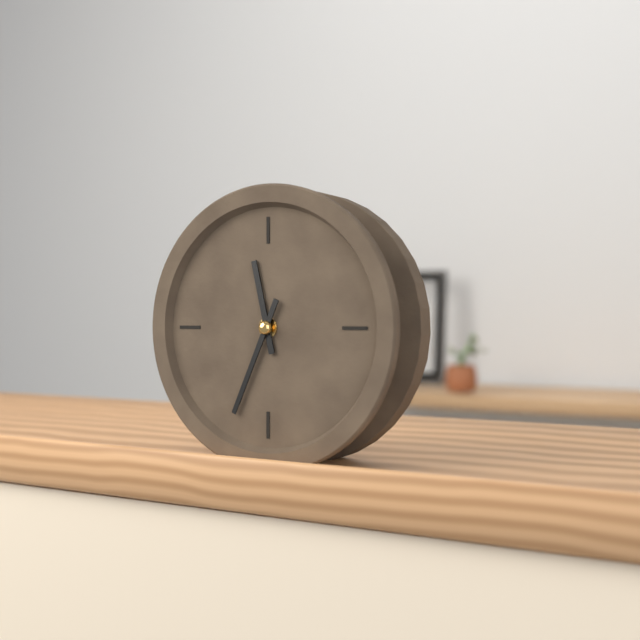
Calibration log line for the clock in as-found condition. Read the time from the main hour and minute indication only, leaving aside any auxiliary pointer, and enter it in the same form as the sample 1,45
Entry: 11,34
